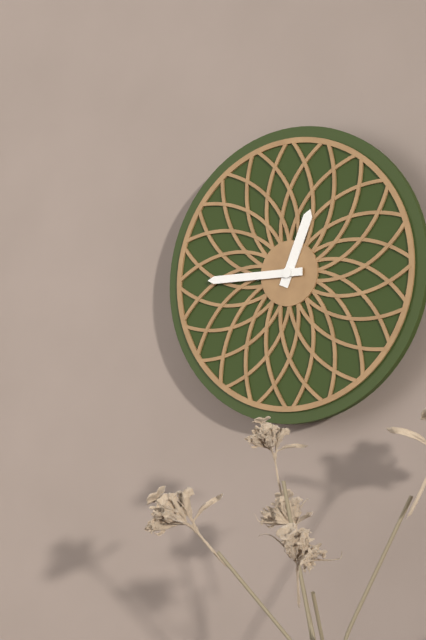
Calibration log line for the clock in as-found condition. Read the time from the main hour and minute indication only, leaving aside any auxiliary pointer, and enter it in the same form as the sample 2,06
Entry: 12,45
